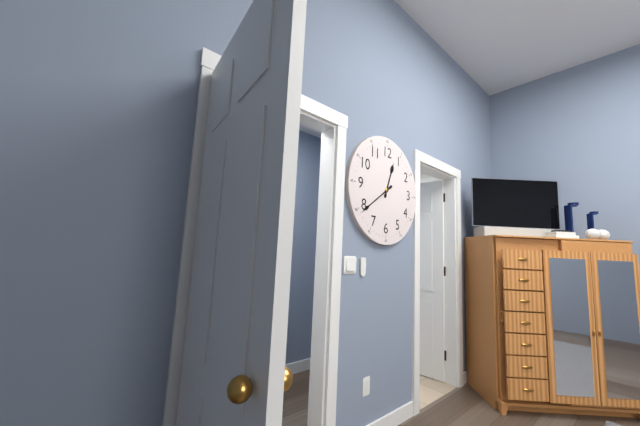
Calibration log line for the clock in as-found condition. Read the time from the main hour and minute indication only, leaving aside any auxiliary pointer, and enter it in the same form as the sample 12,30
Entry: 12,39
